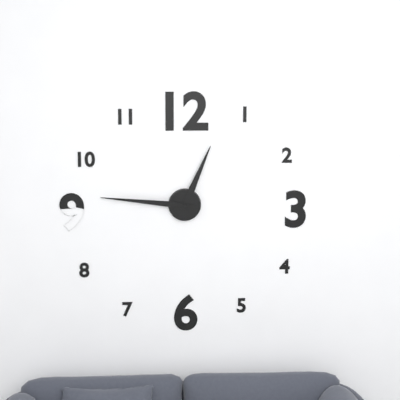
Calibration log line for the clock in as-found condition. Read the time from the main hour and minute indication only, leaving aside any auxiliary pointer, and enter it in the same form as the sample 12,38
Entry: 12,46
